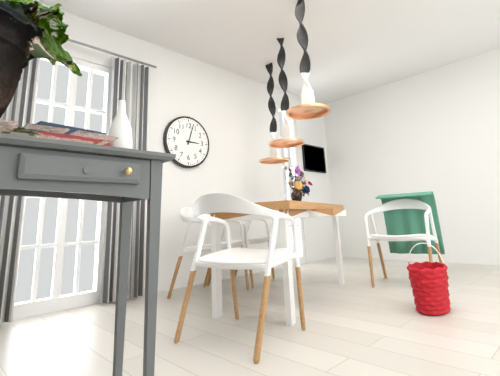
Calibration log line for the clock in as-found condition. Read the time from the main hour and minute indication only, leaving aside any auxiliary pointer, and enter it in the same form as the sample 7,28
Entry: 3,03
